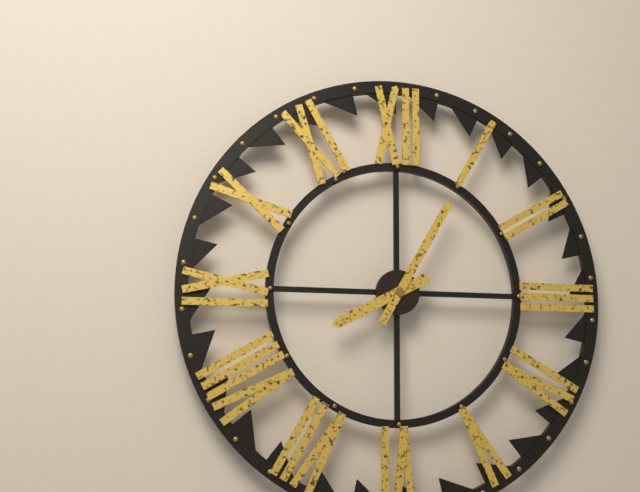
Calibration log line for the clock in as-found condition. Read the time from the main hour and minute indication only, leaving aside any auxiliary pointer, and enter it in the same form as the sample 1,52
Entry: 8,05
